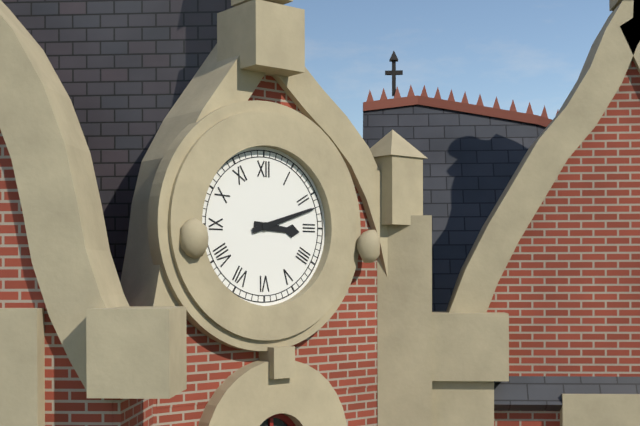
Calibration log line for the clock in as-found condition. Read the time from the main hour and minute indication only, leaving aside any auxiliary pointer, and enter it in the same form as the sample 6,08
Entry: 3,12
